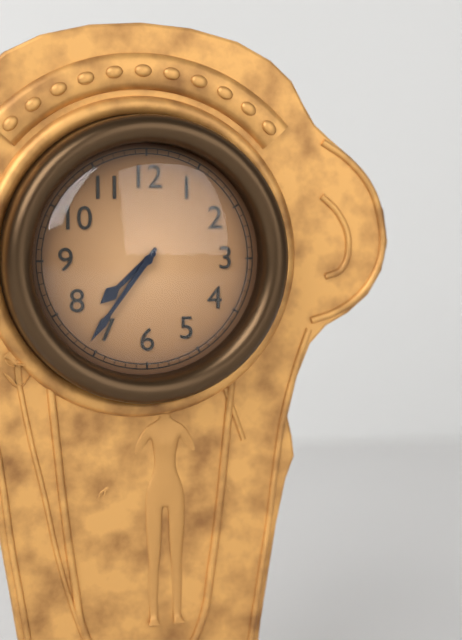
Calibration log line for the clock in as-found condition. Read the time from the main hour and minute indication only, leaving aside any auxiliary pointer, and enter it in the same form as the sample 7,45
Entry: 7,36
